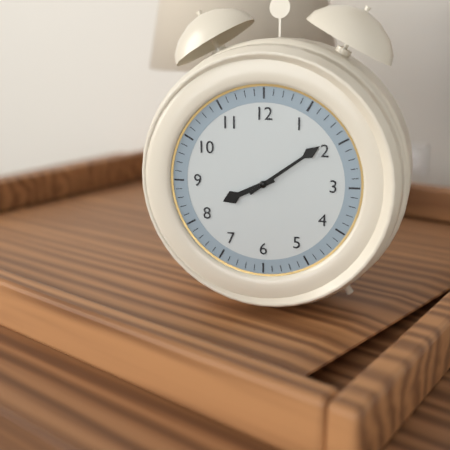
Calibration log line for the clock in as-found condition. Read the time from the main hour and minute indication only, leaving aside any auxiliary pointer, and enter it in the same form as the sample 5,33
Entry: 8,09
